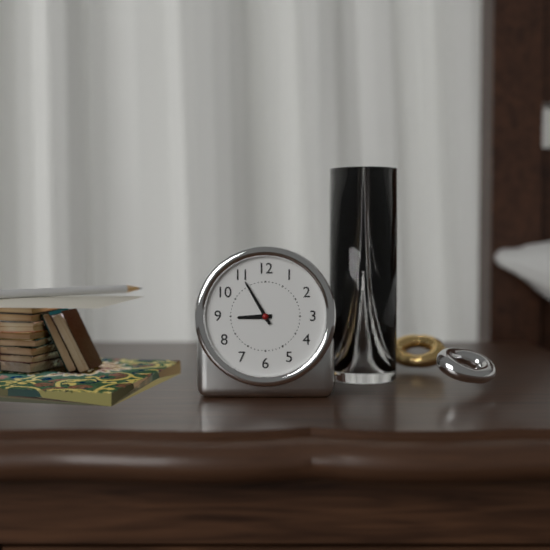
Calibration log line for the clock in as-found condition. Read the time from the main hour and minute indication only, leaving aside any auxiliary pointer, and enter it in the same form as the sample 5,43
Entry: 8,55
